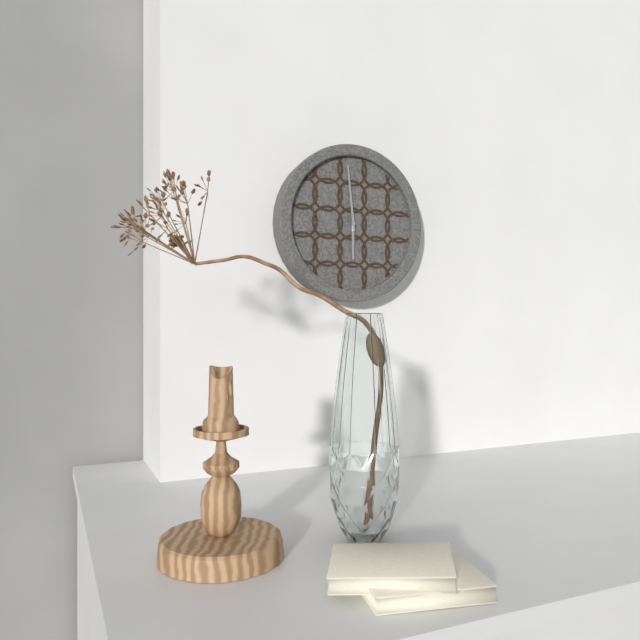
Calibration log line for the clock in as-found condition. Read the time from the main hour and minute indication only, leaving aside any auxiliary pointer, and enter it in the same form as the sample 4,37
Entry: 5,59
